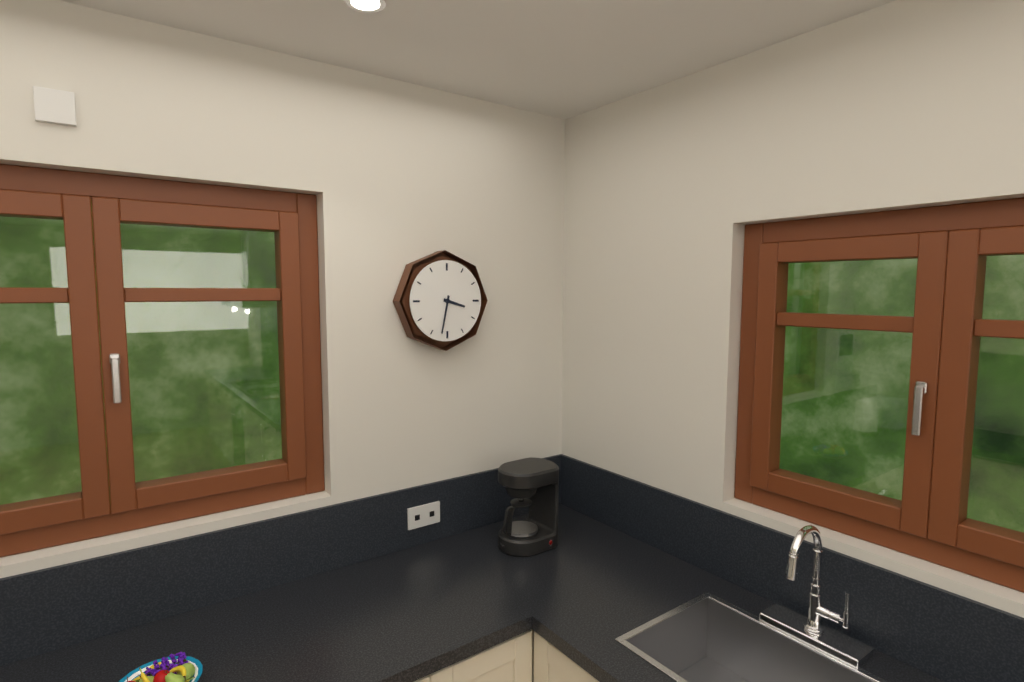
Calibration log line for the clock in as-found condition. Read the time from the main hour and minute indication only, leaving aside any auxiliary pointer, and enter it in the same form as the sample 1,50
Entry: 3,32
